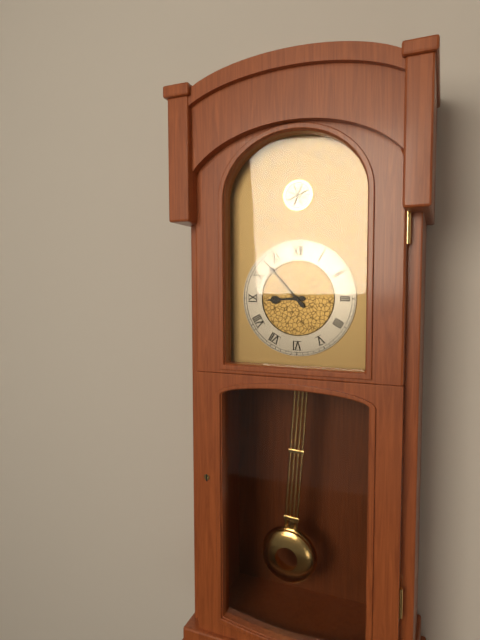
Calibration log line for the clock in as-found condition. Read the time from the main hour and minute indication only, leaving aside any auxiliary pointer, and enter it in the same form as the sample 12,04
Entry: 8,53
